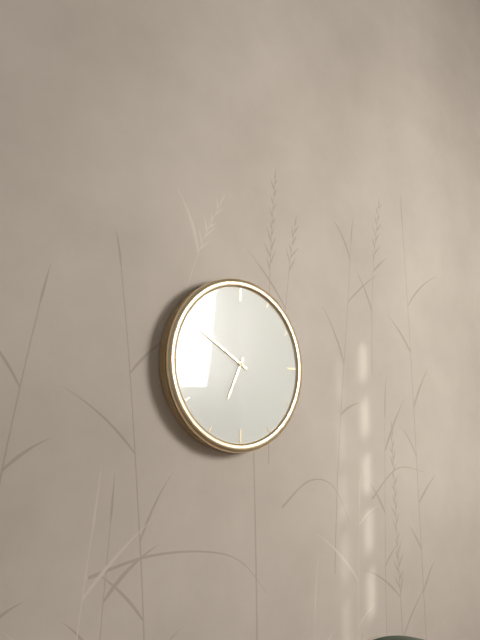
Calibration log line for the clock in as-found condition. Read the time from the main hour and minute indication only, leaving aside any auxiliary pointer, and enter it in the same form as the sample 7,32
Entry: 6,50
